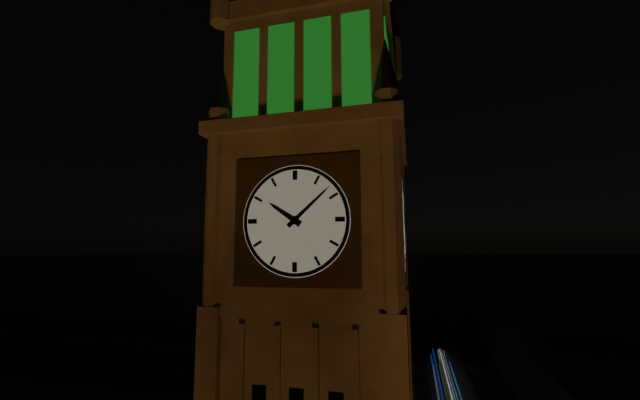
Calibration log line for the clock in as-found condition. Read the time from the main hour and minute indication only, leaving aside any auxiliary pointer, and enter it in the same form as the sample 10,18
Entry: 10,08
